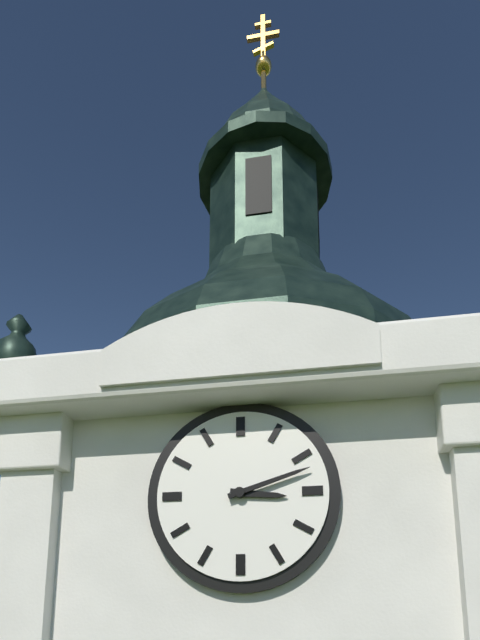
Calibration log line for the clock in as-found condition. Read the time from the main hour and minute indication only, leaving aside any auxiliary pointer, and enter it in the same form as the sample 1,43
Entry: 3,12
